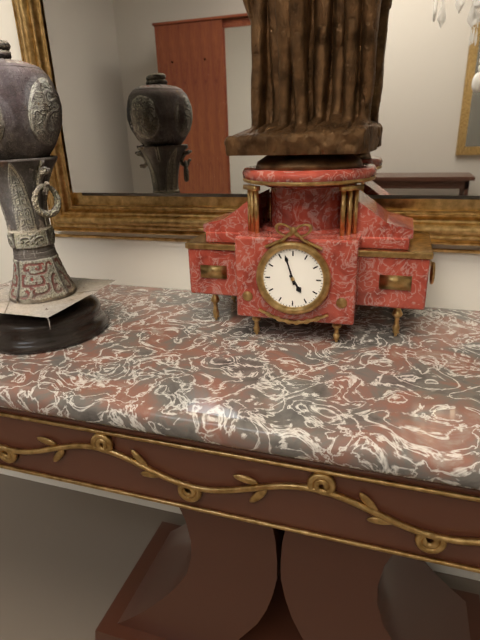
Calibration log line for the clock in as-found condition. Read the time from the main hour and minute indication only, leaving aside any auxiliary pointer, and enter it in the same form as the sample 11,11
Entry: 4,57
